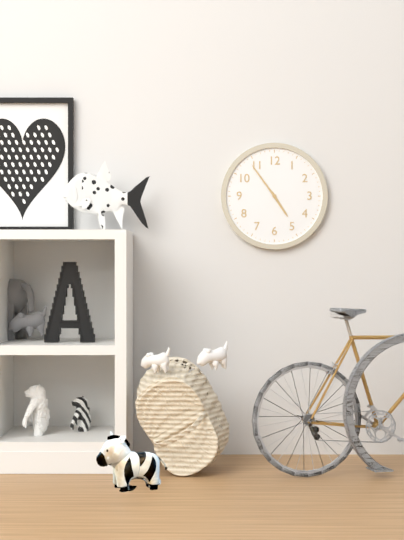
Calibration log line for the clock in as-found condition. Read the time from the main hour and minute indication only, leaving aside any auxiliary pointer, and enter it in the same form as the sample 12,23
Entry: 4,54
